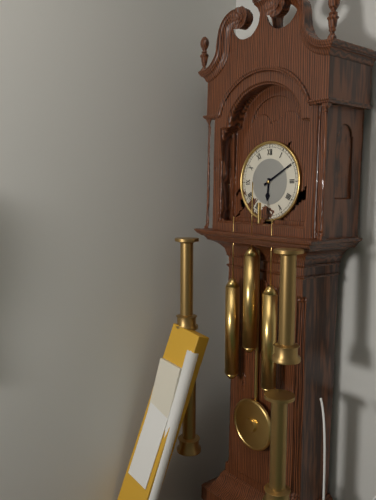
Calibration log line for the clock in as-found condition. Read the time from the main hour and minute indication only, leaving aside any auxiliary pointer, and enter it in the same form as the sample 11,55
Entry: 6,10
